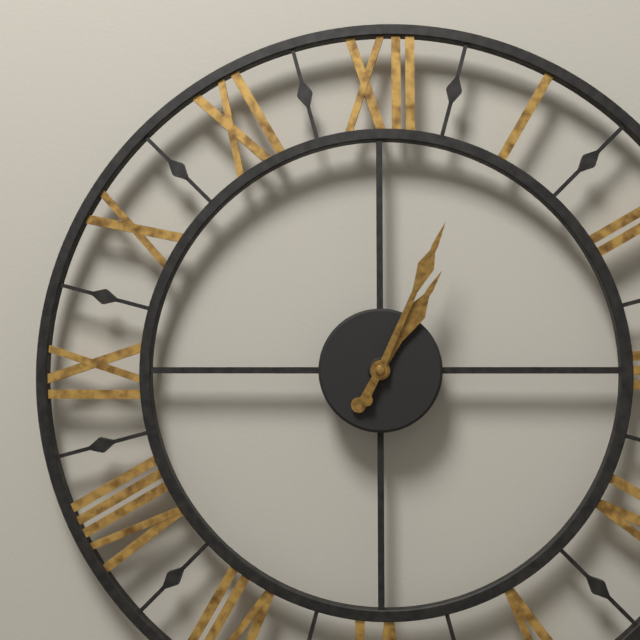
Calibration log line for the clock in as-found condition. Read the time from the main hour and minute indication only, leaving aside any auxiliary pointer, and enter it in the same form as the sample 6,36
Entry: 1,04
